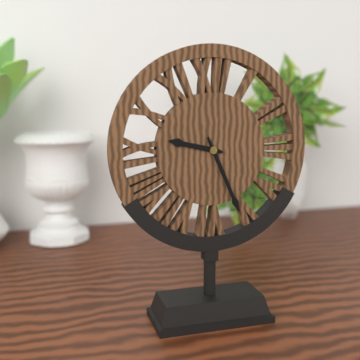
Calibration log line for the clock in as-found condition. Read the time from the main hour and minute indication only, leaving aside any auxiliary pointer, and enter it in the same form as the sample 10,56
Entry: 9,26
